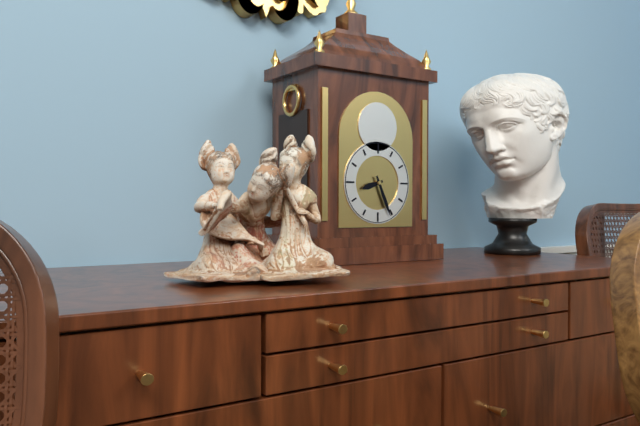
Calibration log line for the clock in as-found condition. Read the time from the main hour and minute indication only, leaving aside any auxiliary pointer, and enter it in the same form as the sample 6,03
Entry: 8,26
